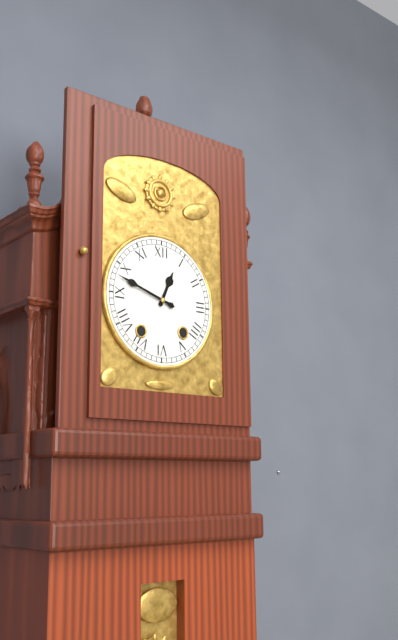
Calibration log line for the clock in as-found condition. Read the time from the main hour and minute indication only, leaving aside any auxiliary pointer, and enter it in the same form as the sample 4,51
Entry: 12,48
